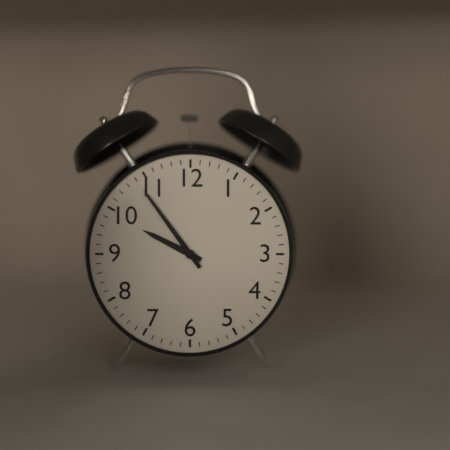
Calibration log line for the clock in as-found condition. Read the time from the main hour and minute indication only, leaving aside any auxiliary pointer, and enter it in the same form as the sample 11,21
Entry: 9,54
